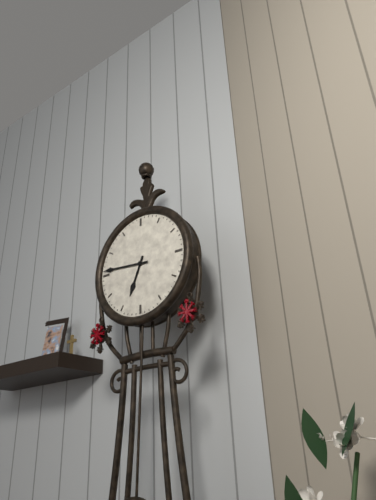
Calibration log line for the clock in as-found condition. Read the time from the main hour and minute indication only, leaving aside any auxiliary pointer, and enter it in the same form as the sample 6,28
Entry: 6,46
